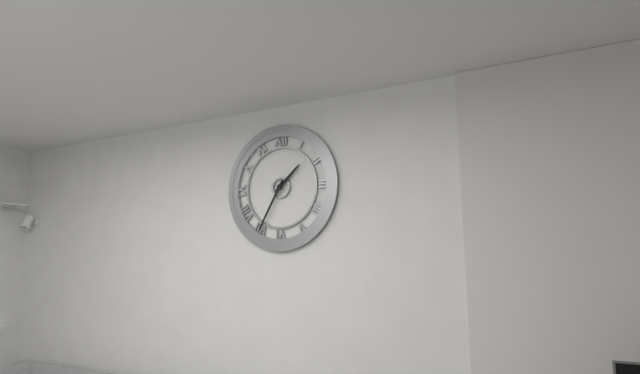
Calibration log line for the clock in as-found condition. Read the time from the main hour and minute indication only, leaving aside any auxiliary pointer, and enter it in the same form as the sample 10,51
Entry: 1,35
